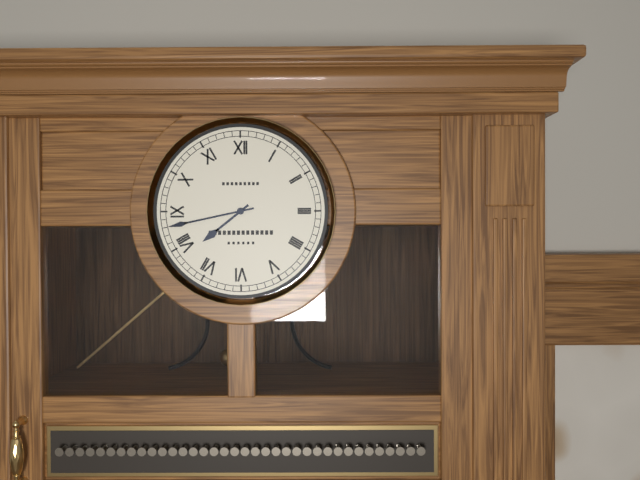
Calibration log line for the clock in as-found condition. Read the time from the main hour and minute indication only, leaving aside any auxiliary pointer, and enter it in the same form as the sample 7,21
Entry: 7,43
